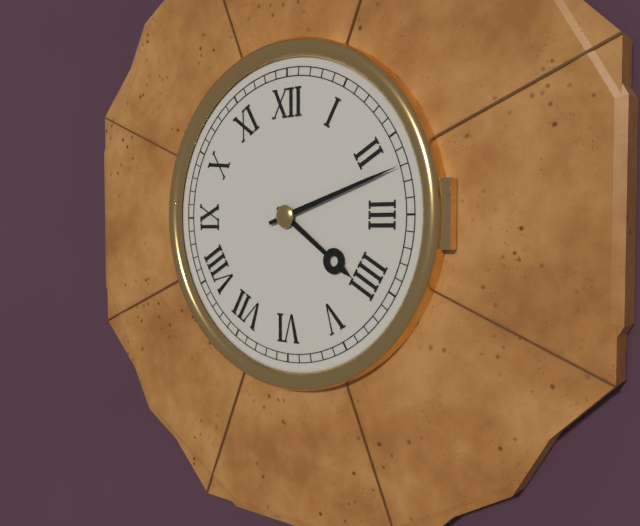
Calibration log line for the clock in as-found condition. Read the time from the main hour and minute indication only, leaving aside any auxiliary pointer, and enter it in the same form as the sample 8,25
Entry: 4,12
